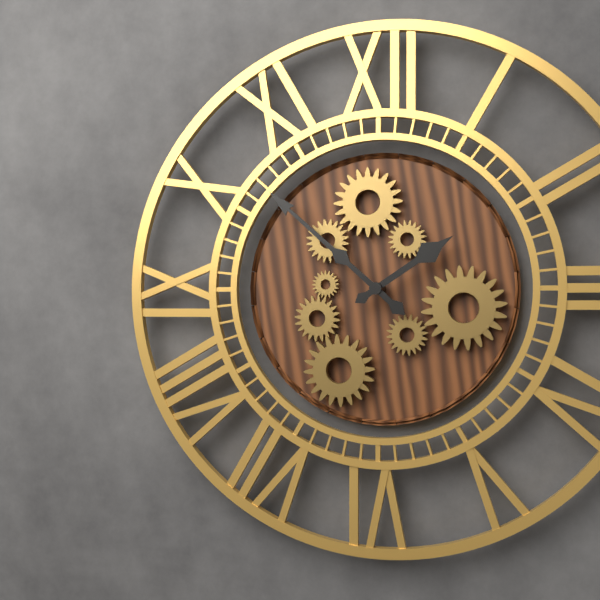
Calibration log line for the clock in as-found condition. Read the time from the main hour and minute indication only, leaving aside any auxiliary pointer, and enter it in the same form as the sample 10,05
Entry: 1,52
